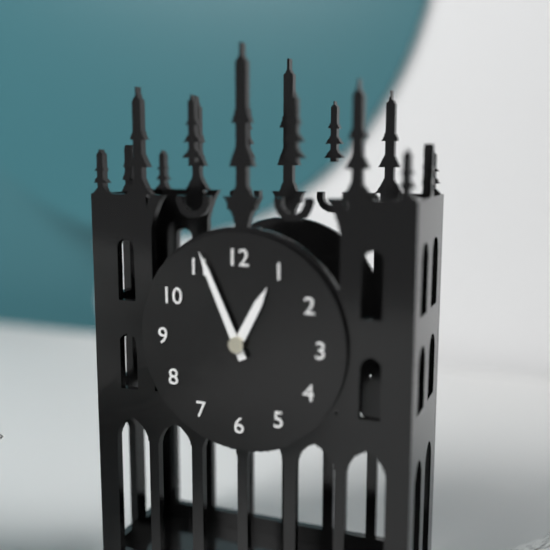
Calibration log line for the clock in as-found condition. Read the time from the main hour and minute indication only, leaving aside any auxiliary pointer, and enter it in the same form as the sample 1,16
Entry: 12,56
